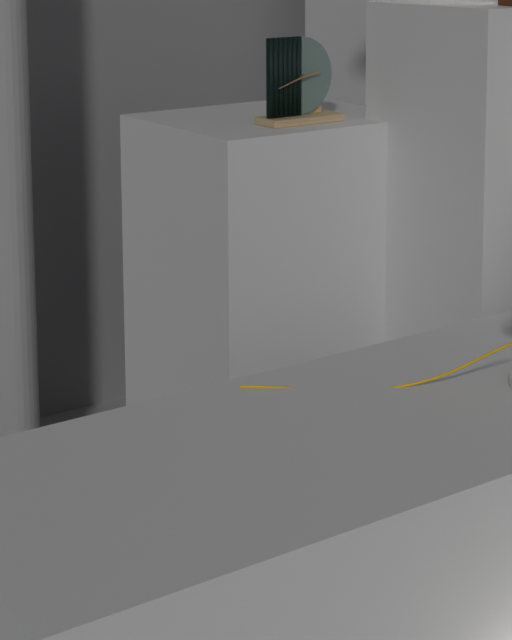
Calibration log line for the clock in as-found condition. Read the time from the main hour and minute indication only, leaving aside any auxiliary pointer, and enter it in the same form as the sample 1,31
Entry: 2,42
